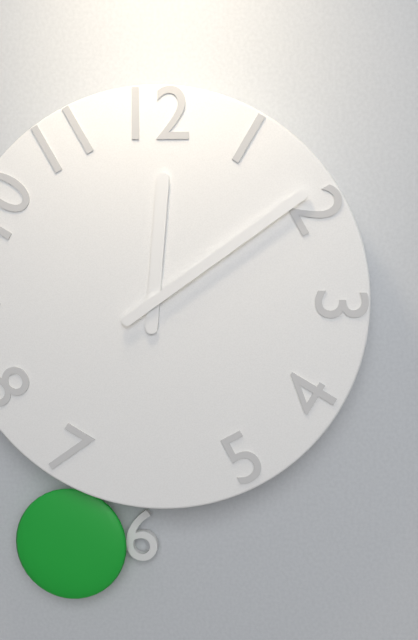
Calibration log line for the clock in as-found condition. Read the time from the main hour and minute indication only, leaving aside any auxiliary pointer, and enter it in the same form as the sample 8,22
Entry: 12,09
